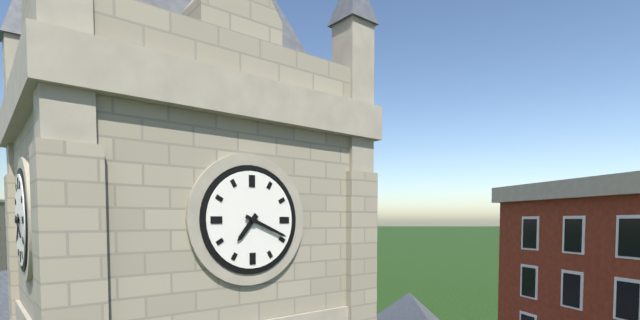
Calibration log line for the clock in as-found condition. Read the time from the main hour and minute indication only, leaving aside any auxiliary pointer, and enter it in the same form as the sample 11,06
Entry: 7,19
